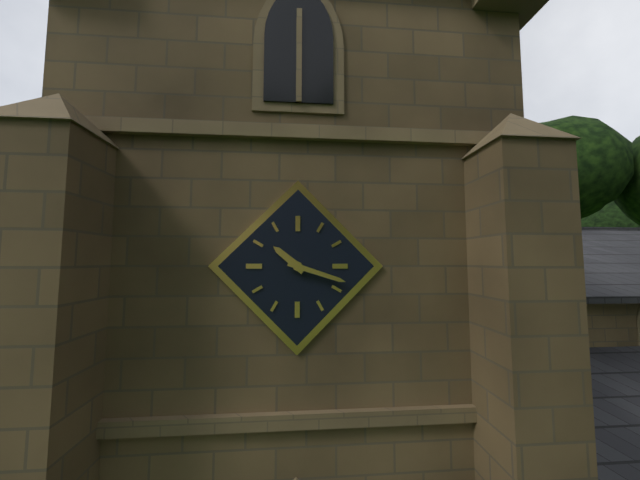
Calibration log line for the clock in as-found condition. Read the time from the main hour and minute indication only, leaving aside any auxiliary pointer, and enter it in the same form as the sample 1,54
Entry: 10,18
